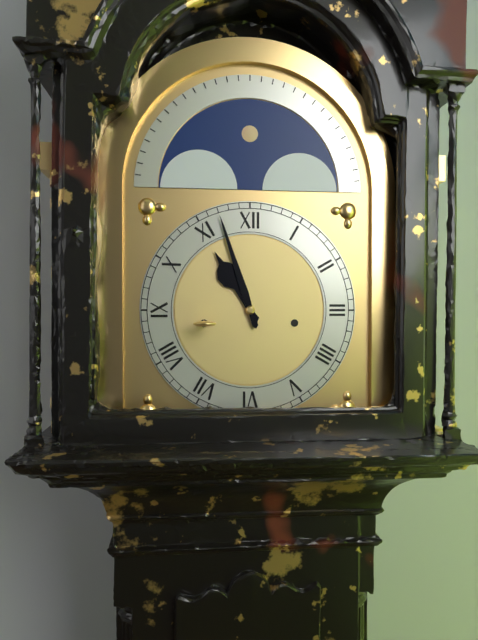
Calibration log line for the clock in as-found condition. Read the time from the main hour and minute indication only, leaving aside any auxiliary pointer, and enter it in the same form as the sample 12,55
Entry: 10,57
